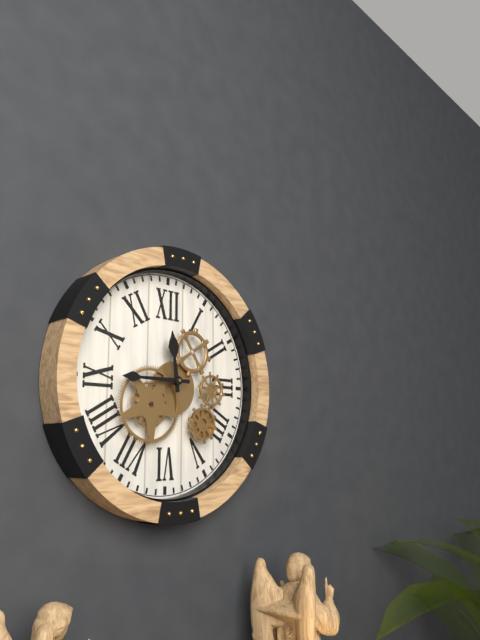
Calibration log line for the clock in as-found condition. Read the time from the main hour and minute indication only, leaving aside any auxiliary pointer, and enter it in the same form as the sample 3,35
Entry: 11,45
